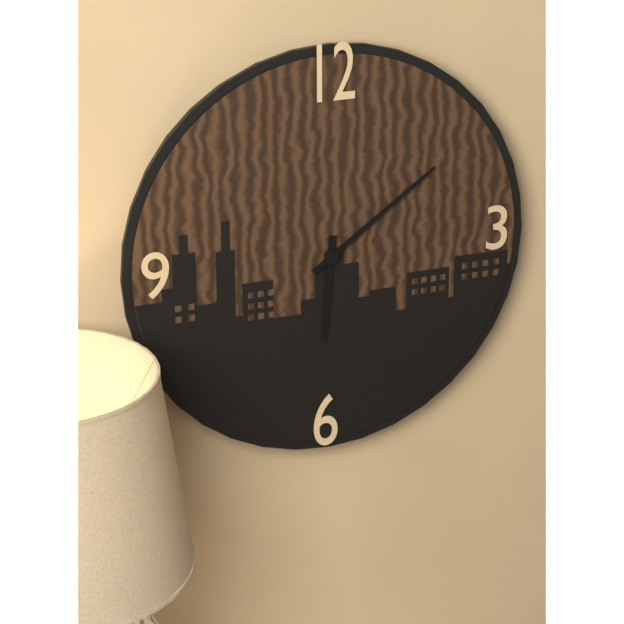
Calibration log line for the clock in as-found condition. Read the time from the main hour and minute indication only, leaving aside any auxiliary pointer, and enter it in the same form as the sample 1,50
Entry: 6,09
